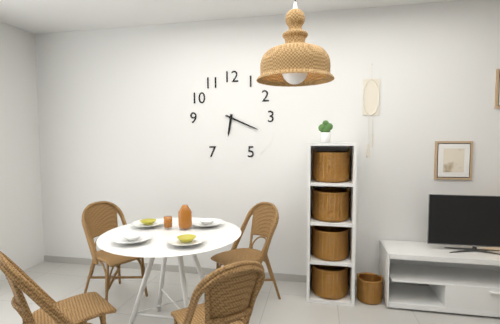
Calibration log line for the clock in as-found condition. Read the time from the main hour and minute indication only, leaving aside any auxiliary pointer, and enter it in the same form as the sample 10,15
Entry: 6,19
